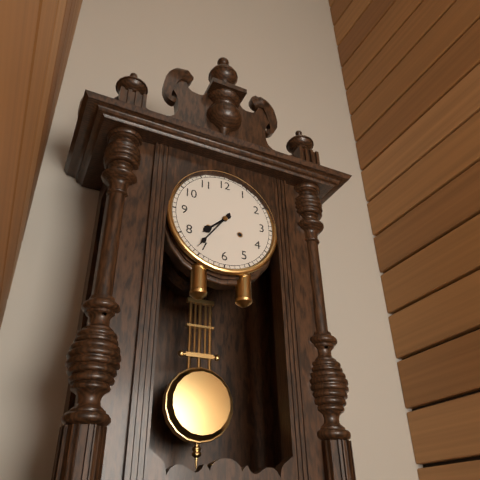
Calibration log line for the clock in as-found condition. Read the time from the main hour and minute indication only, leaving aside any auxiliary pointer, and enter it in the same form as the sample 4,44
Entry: 7,36
